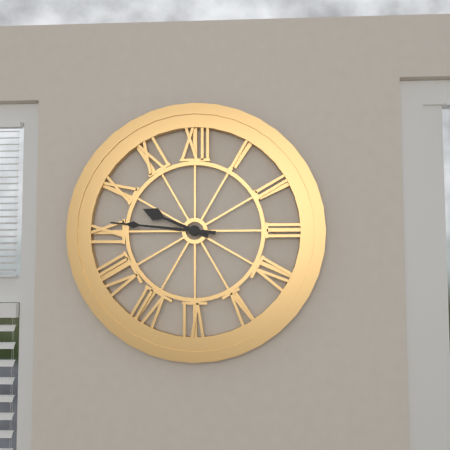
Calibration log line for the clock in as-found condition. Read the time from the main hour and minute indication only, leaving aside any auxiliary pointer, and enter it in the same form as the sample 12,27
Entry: 9,46
